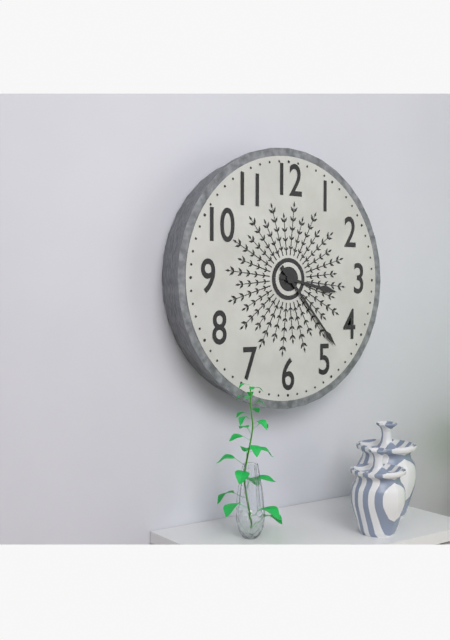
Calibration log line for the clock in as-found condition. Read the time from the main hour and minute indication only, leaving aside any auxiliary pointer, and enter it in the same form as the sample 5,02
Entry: 3,23
